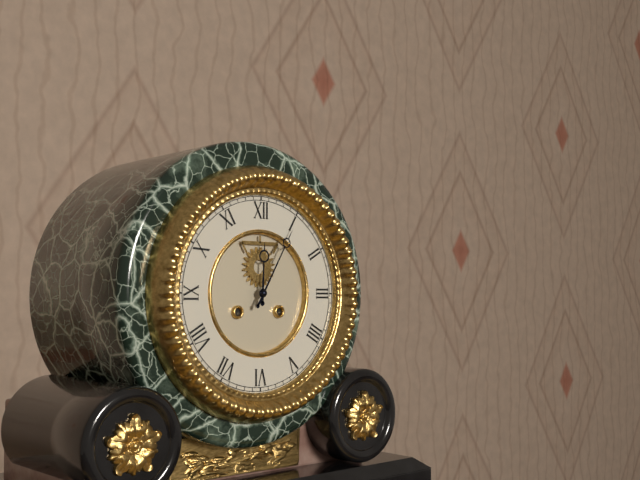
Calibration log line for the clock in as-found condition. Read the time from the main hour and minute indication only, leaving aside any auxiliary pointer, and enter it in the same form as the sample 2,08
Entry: 12,05
